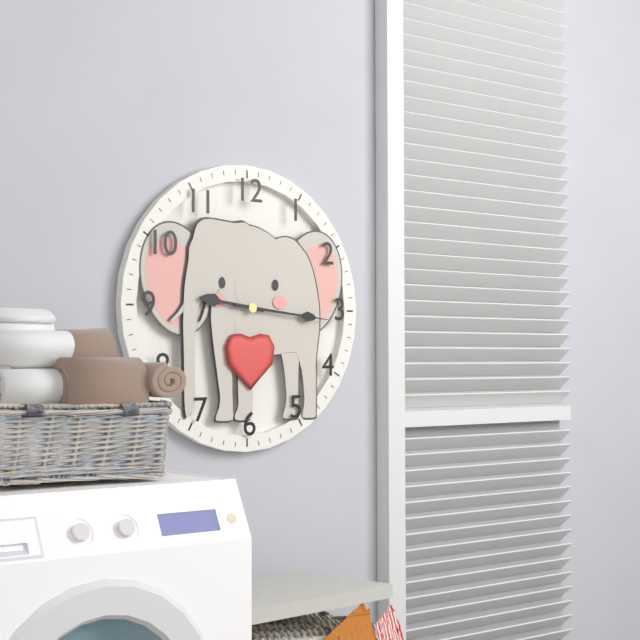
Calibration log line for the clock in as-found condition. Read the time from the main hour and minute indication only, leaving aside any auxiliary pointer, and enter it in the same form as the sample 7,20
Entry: 9,16
